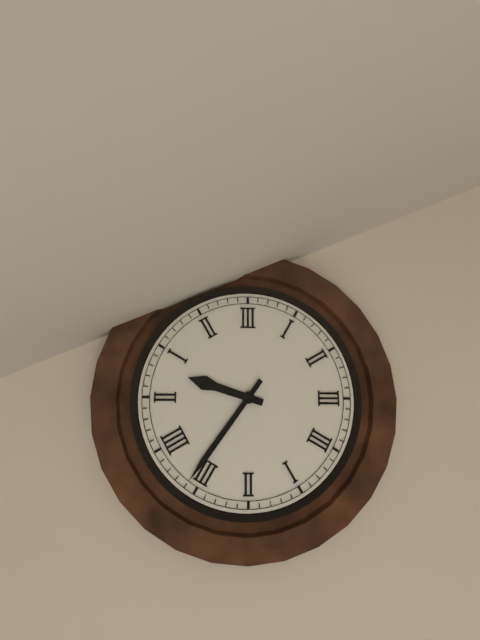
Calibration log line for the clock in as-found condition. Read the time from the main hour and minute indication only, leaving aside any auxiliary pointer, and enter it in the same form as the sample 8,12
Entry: 9,36
